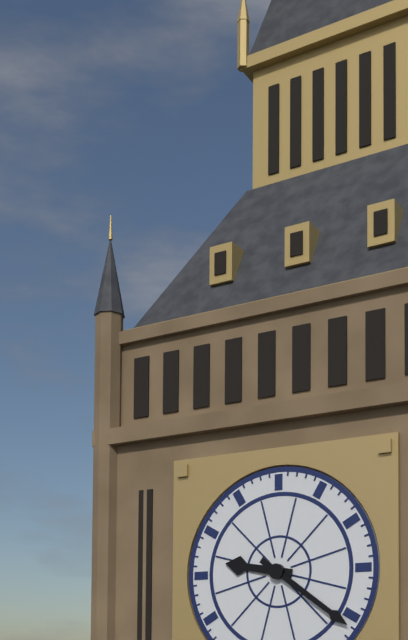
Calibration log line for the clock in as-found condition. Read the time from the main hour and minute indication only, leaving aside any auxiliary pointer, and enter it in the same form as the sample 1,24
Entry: 9,21
